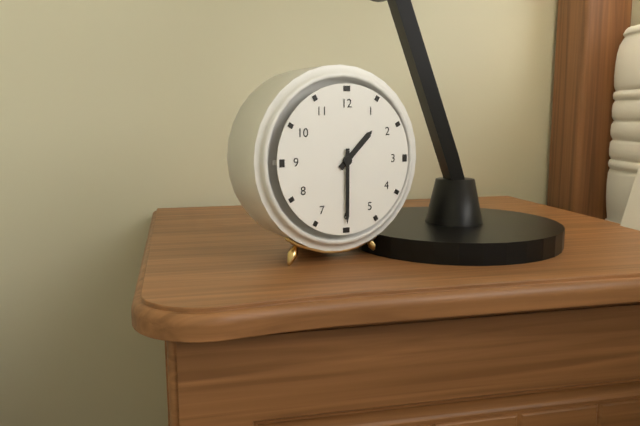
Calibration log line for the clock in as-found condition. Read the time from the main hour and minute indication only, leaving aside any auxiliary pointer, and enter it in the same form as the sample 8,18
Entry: 1,30
